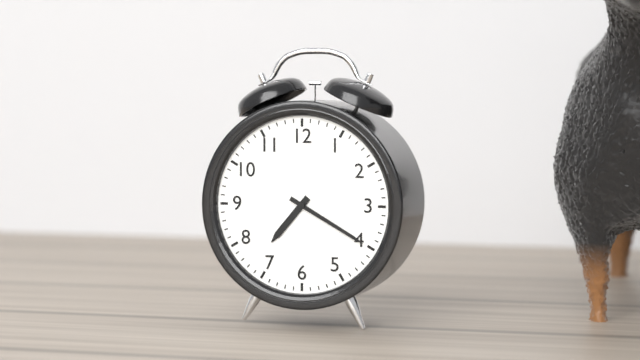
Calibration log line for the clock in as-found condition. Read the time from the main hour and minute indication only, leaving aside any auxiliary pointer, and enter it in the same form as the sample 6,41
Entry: 7,20
